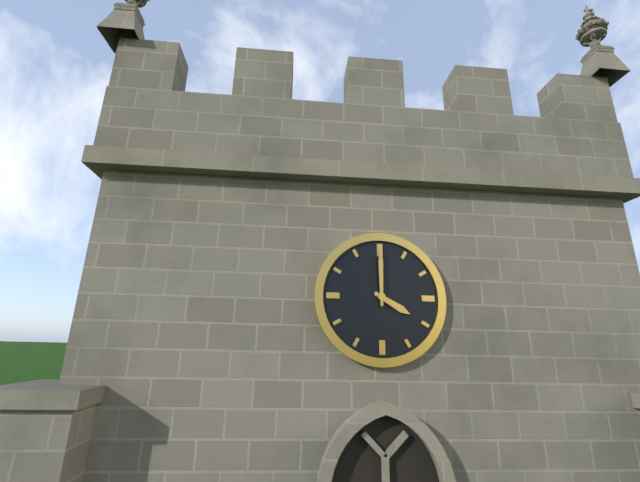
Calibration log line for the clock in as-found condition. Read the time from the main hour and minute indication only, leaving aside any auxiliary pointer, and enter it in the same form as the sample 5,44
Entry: 4,00
